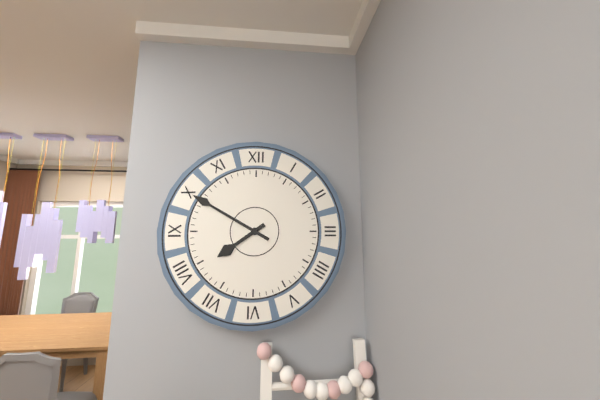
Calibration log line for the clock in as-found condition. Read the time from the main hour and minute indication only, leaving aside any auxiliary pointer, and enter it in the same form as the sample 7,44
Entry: 7,50
